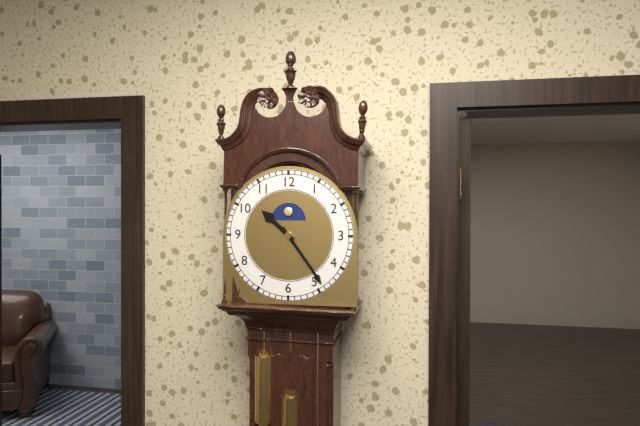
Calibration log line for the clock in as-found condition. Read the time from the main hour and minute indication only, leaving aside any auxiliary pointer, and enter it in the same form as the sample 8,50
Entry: 10,24
